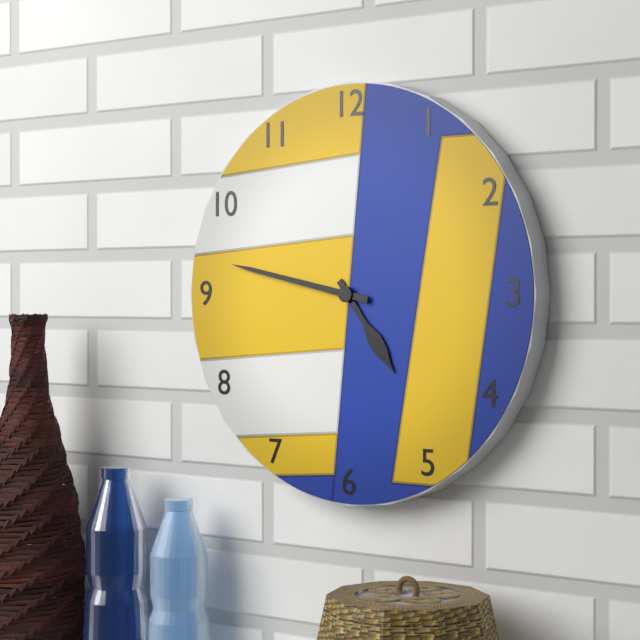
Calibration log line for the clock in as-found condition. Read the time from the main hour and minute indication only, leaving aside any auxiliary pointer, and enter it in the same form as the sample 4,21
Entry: 4,47
